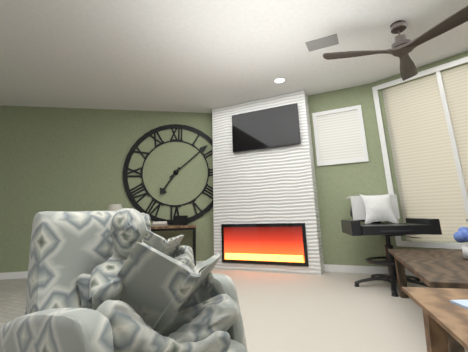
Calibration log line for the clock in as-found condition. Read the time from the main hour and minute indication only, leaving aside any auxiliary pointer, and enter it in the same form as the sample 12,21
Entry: 7,08
